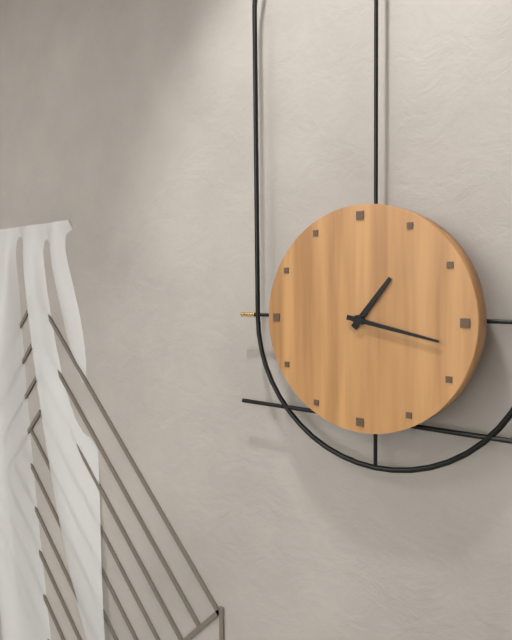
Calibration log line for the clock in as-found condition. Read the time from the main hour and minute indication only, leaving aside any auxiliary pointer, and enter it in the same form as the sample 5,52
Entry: 1,17
